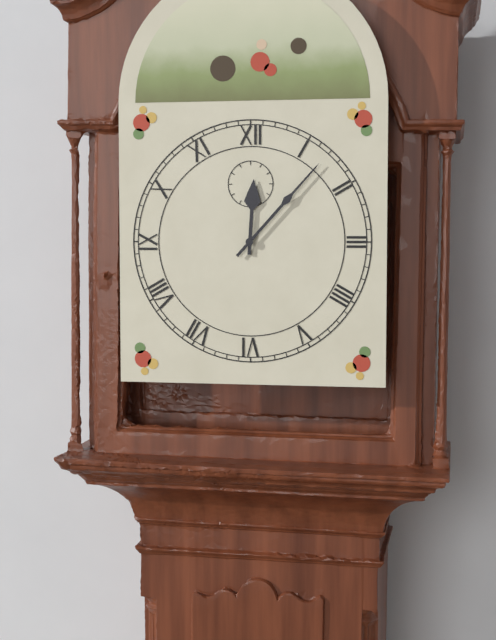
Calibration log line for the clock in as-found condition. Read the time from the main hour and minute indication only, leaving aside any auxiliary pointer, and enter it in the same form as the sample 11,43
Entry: 12,07
